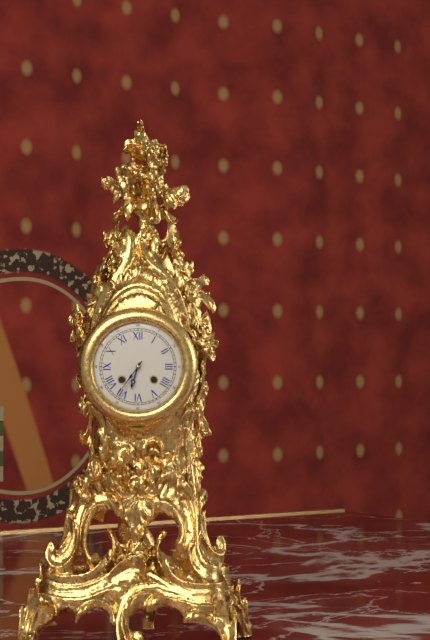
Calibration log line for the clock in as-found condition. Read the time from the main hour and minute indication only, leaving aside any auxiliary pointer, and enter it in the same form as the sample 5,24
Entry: 6,36
